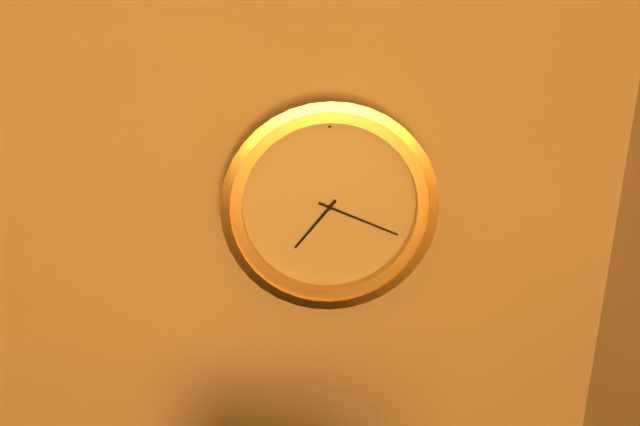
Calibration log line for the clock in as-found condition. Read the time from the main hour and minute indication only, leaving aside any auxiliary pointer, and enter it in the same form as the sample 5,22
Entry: 7,19
